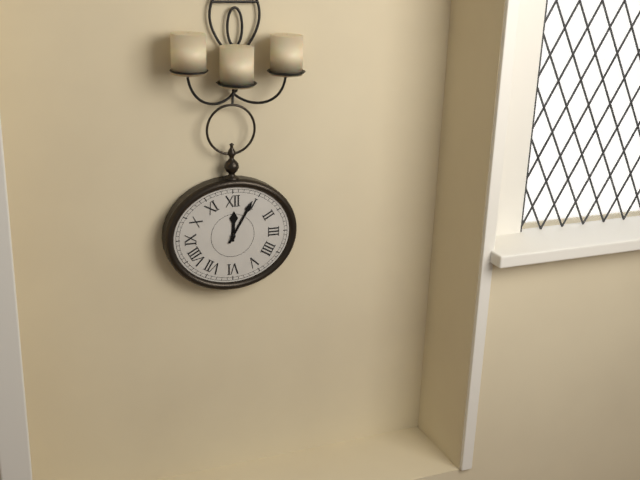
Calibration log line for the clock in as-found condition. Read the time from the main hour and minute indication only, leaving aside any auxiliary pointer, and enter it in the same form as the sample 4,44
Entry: 12,05
